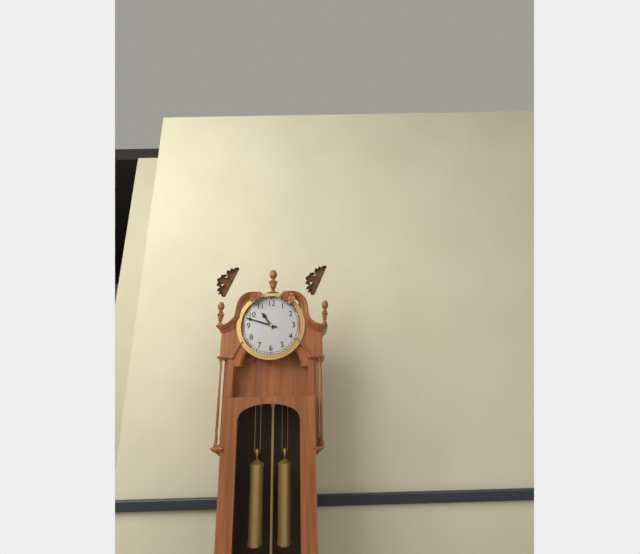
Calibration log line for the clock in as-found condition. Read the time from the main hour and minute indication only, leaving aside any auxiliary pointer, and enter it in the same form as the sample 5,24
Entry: 10,48
